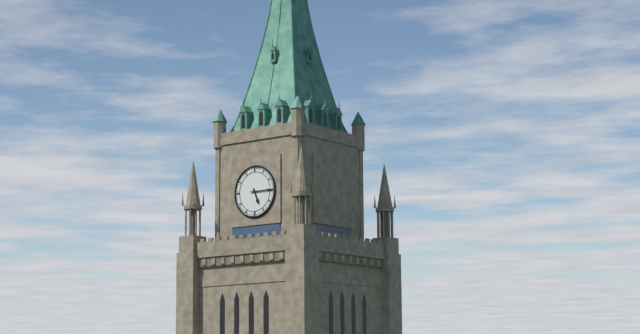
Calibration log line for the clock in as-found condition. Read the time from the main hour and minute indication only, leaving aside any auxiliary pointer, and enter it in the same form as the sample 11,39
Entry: 5,15
